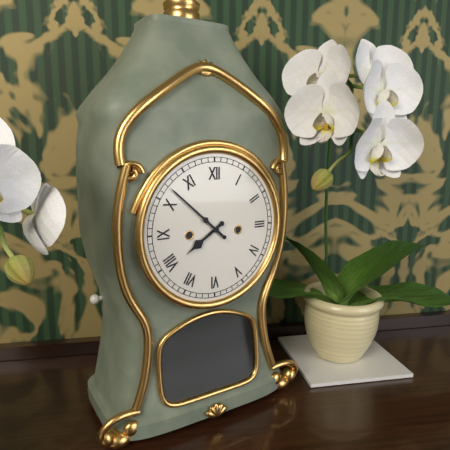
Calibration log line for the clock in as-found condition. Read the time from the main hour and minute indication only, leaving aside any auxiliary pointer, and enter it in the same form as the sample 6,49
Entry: 7,52
